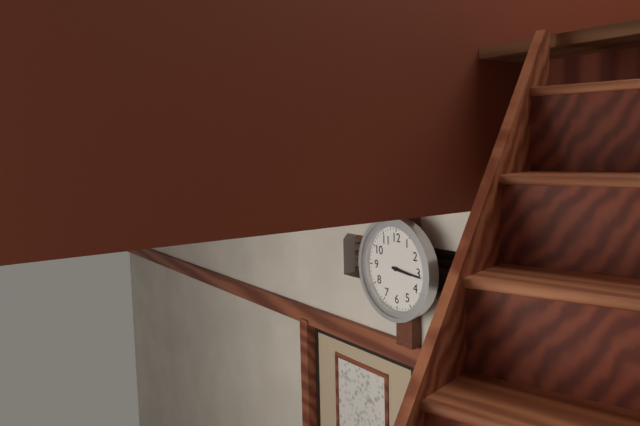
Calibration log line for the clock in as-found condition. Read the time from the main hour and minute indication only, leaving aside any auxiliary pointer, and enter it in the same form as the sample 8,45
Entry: 3,16
